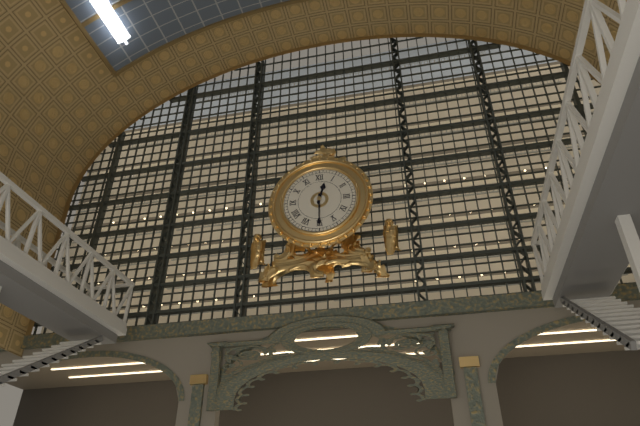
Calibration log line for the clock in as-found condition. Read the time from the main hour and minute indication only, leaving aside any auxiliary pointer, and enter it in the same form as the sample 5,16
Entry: 12,30
